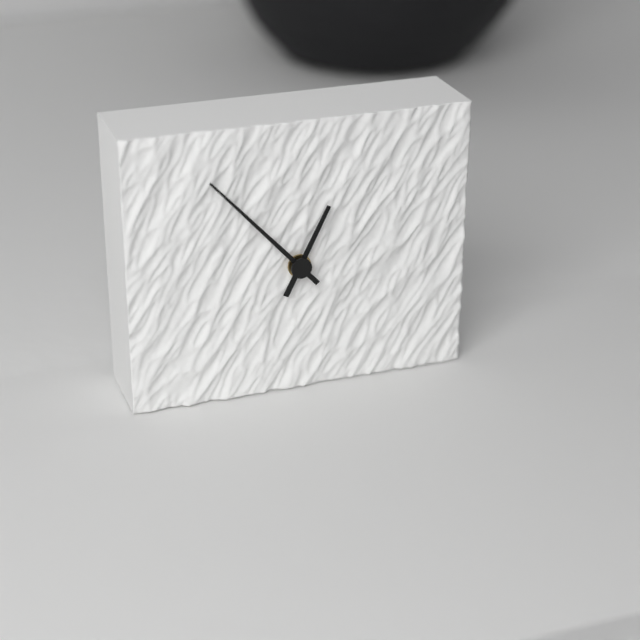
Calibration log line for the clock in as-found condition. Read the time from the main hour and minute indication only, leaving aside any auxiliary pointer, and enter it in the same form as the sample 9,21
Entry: 12,53
